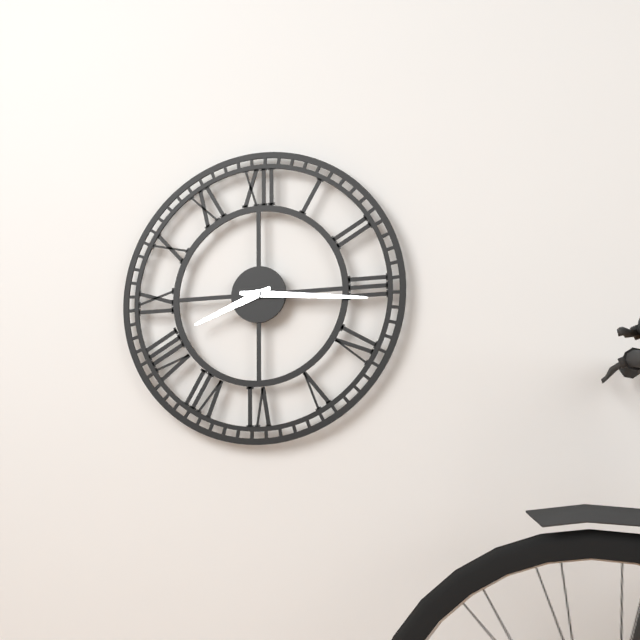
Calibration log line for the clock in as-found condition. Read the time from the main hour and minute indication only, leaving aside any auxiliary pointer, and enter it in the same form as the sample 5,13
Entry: 8,16
